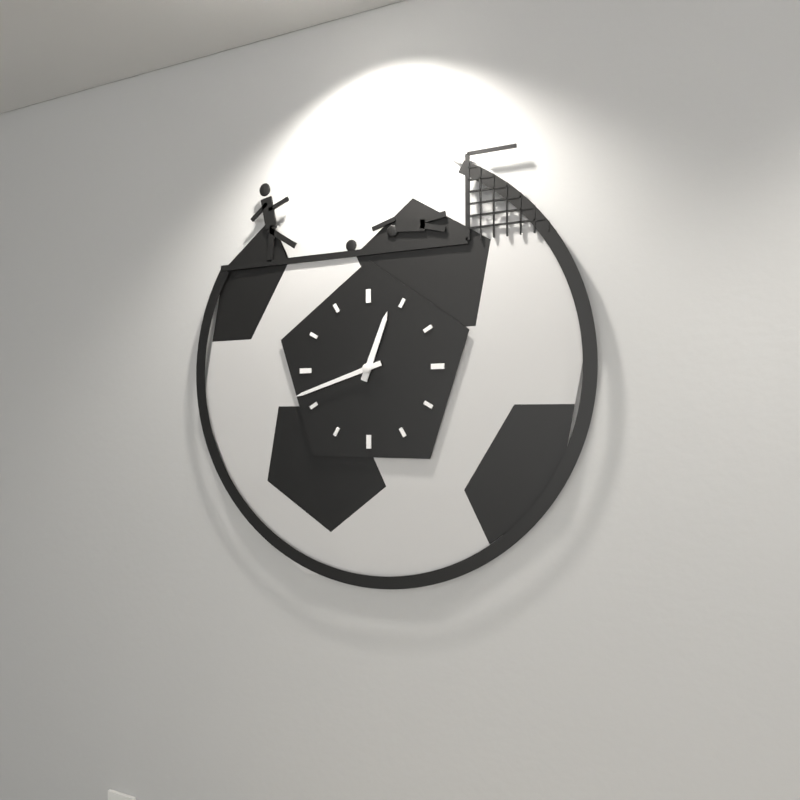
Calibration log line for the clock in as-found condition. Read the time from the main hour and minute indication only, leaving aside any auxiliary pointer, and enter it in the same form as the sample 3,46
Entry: 12,42
